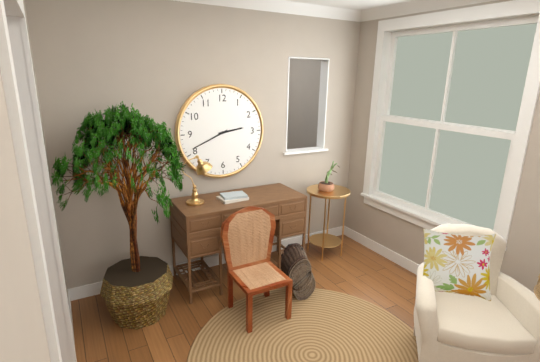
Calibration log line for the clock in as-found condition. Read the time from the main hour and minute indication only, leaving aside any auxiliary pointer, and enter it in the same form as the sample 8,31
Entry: 2,41
